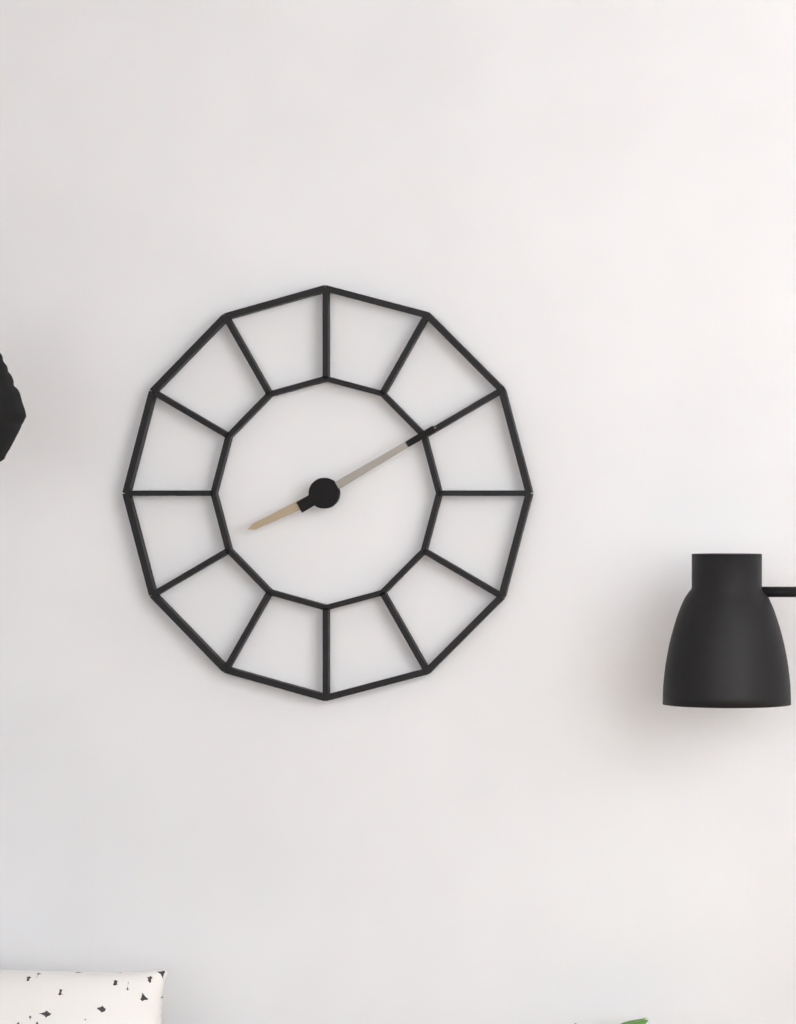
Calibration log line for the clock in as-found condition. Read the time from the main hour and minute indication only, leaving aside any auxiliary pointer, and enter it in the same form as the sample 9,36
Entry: 8,10
